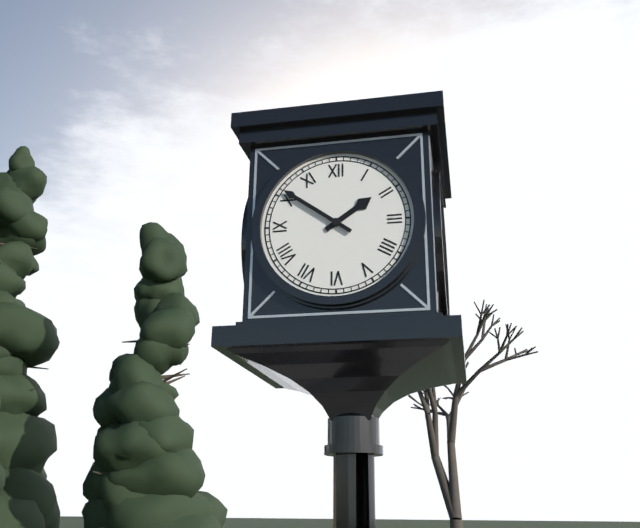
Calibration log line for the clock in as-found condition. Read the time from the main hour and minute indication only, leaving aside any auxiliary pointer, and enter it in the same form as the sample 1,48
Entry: 1,51
